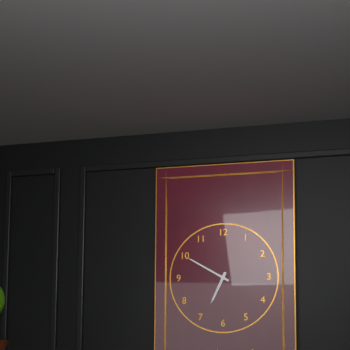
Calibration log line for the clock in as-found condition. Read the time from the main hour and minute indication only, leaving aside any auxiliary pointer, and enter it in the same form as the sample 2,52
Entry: 6,50
